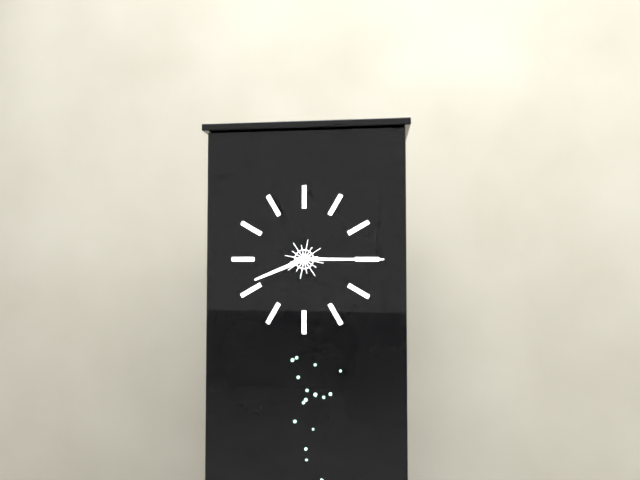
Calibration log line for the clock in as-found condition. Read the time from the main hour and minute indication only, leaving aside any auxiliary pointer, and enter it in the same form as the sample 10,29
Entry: 8,15
